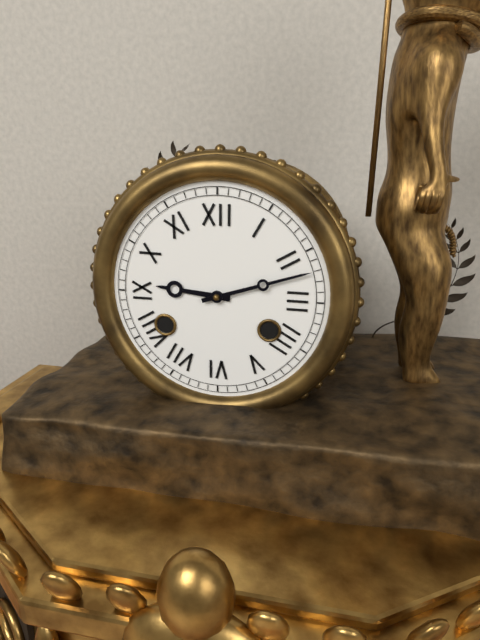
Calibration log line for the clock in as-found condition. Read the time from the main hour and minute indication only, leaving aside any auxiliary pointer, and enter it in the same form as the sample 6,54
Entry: 9,12
